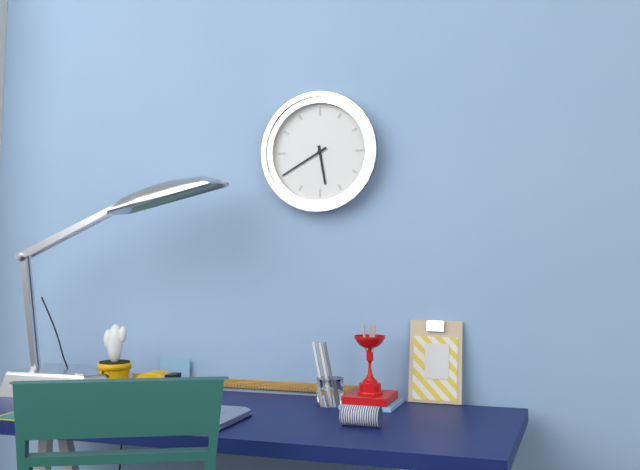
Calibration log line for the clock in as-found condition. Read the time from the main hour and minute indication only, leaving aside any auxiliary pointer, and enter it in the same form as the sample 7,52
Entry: 5,40
